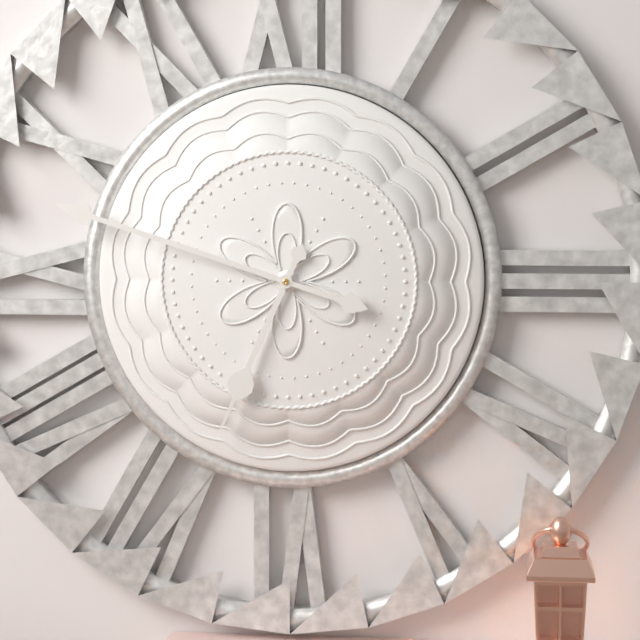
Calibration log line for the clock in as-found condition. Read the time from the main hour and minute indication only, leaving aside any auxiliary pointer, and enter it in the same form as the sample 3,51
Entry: 6,48
